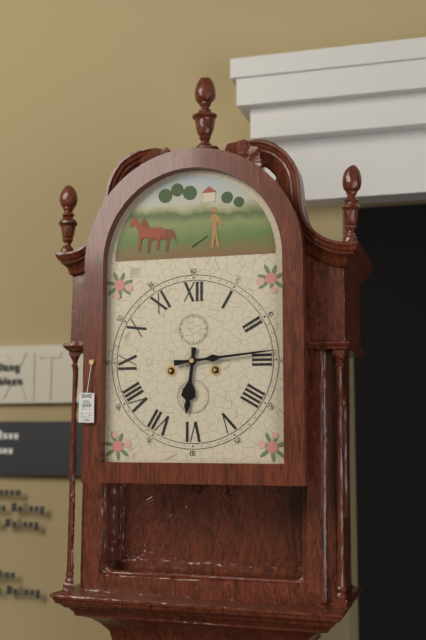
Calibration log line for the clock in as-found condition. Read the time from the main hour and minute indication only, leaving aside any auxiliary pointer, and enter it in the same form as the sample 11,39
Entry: 6,14
